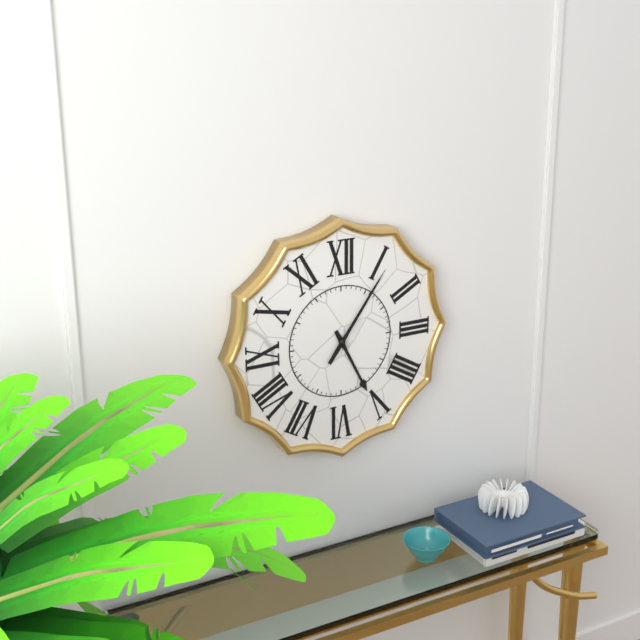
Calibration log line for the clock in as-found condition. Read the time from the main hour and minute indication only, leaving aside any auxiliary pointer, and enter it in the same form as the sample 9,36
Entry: 5,06
